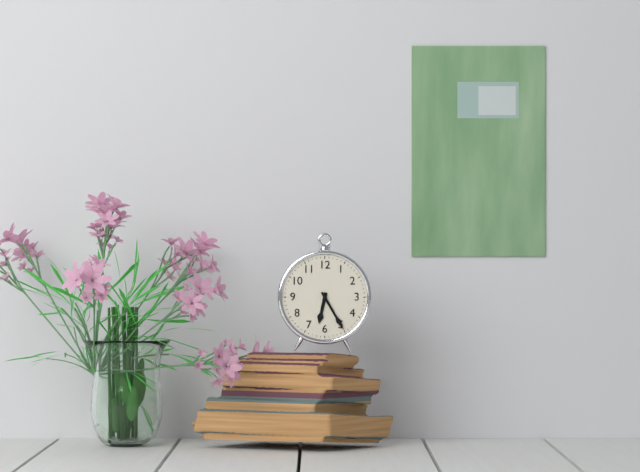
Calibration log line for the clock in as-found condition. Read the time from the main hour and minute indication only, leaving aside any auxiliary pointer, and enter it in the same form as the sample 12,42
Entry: 6,25
